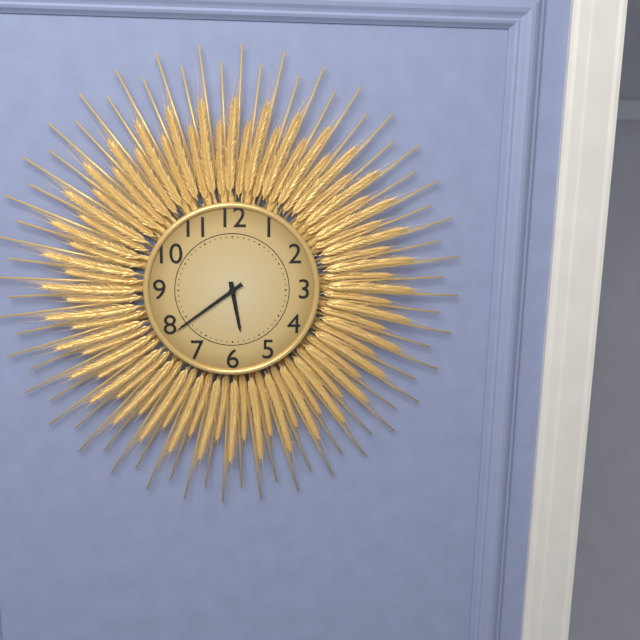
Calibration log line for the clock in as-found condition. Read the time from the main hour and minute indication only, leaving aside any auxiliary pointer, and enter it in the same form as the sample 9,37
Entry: 5,39
